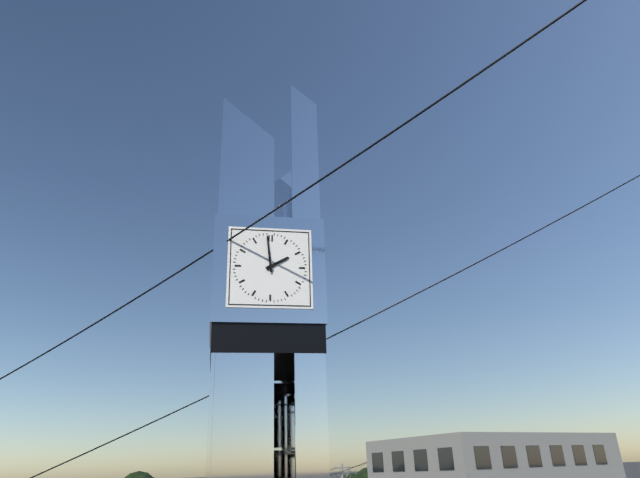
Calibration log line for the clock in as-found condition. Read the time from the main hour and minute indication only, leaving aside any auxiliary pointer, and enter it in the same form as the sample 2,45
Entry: 1,59
